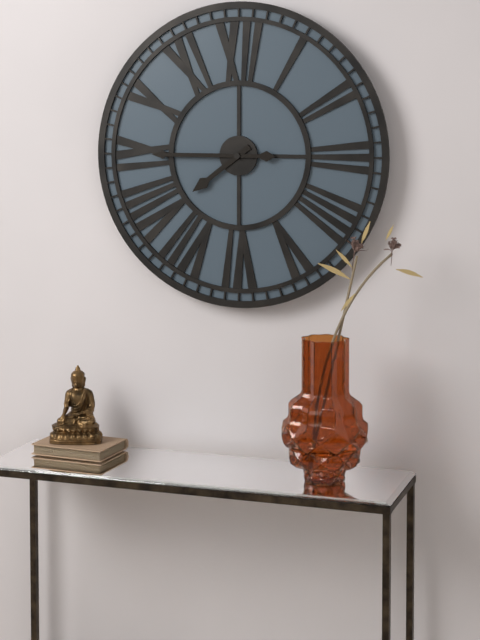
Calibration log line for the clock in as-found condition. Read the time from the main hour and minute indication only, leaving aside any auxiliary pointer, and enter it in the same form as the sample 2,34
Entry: 7,45
